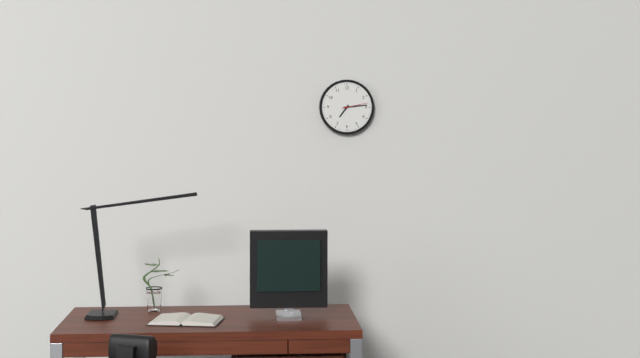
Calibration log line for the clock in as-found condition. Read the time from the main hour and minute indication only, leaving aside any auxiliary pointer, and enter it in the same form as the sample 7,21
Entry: 7,14
